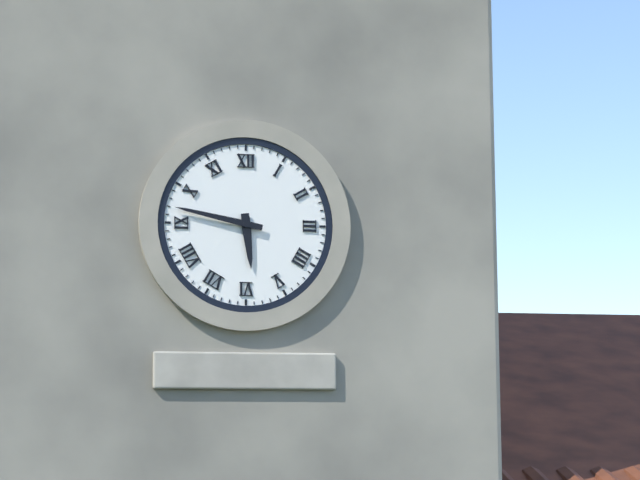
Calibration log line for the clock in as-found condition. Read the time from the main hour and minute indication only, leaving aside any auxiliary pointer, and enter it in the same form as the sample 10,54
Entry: 5,47
